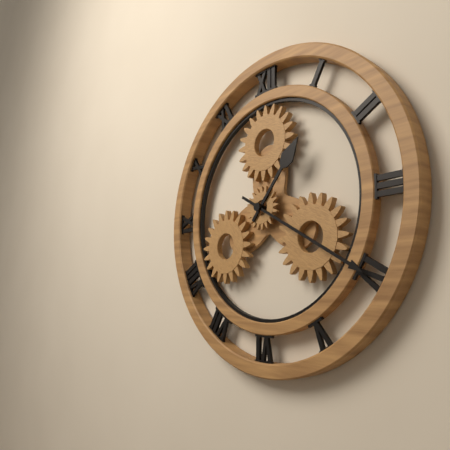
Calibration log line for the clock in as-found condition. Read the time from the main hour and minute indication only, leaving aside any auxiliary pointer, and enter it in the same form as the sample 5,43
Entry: 1,20
